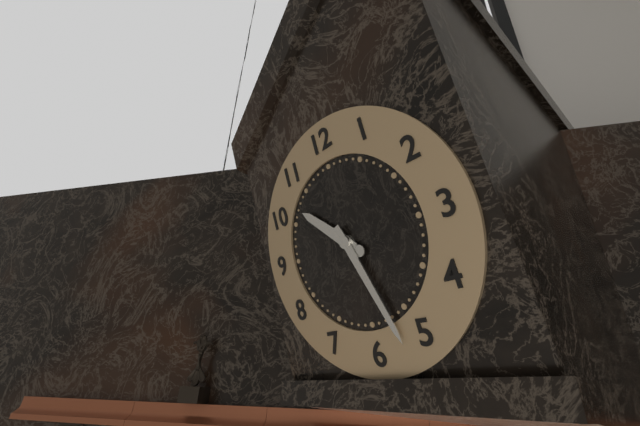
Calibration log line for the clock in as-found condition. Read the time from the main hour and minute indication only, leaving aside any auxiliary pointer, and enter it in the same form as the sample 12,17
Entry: 10,27
